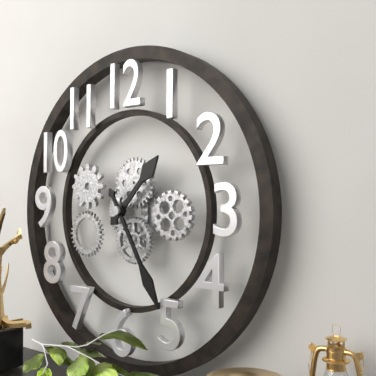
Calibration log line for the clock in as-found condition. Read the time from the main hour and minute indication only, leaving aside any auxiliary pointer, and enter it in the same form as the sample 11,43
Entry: 1,25
